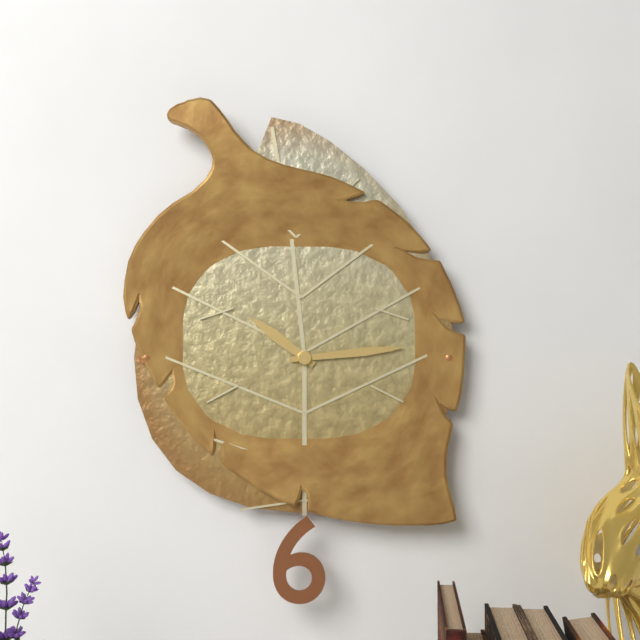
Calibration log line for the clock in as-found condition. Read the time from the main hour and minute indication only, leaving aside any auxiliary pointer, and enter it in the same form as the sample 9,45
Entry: 10,14
